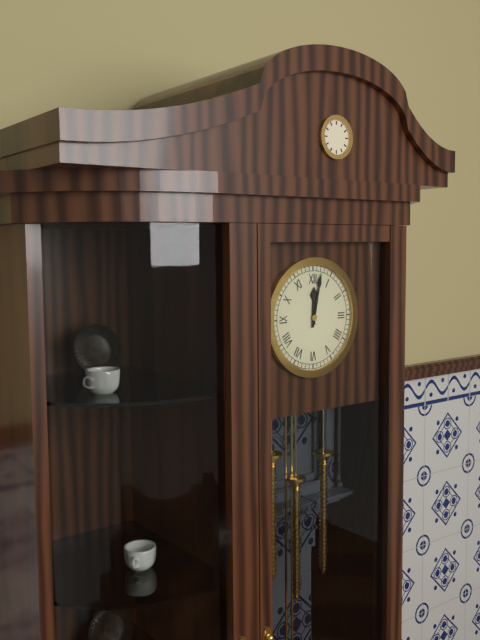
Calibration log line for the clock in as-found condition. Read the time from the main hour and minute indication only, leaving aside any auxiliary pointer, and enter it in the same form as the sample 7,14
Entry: 12,02
